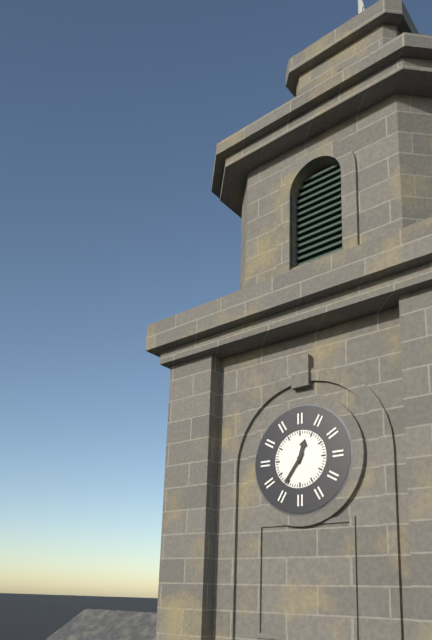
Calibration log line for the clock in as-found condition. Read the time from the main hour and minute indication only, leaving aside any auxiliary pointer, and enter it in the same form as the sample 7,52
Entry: 12,36
